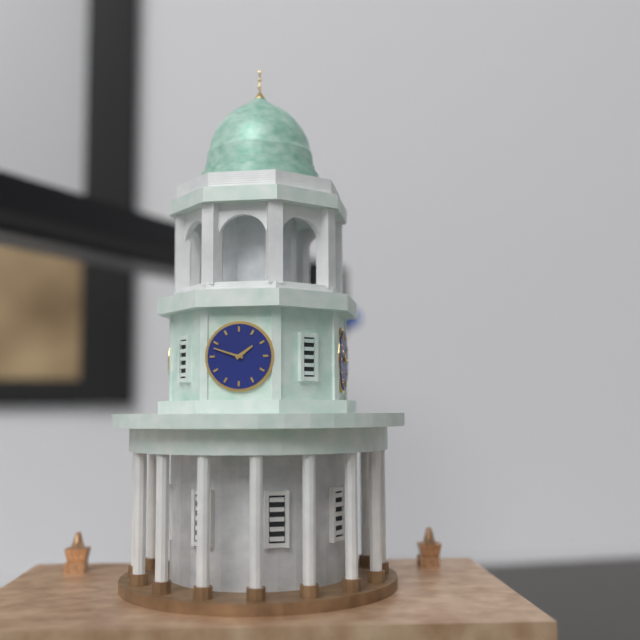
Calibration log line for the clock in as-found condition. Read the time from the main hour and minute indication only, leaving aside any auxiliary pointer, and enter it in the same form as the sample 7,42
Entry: 1,48
